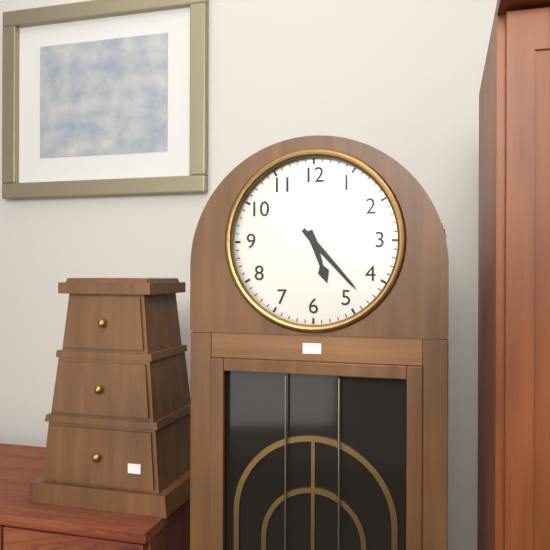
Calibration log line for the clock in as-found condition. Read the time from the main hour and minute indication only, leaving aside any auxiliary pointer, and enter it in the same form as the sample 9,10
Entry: 5,23
